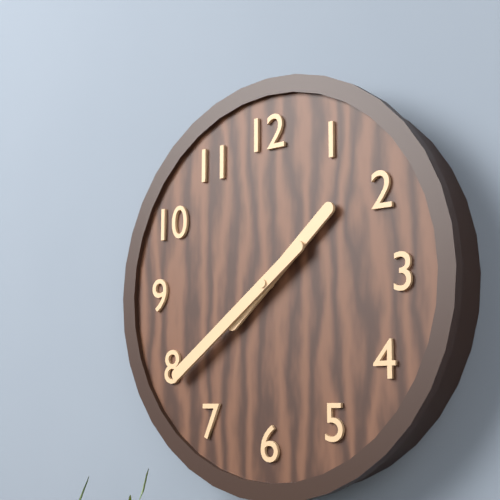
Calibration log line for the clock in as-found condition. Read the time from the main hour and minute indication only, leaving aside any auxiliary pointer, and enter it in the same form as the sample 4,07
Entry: 1,39
